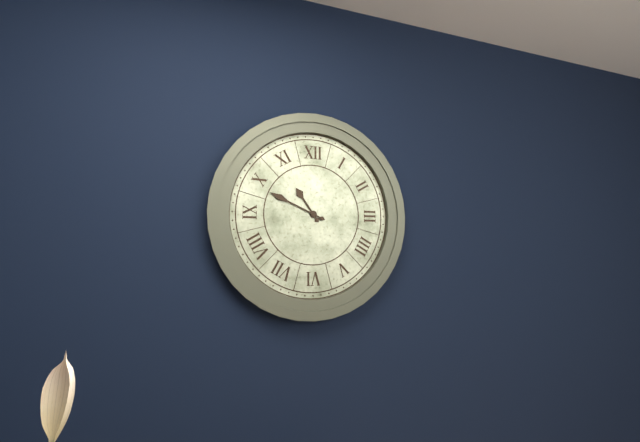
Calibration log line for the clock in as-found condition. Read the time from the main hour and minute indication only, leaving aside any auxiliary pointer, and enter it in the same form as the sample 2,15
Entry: 10,49
